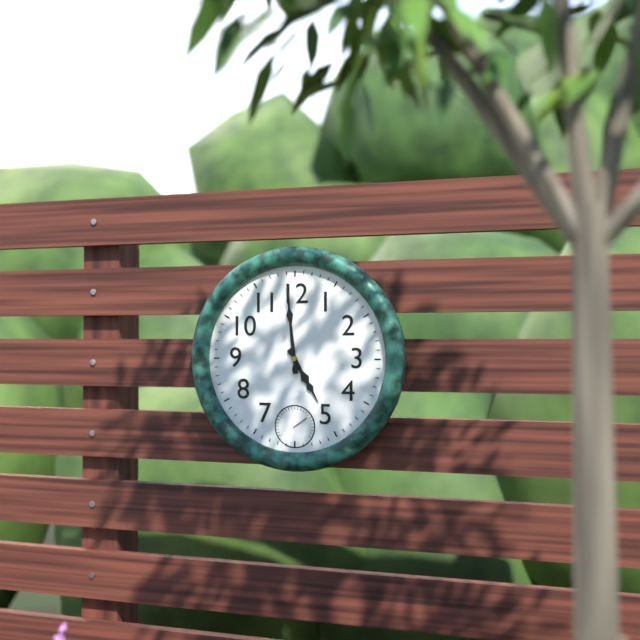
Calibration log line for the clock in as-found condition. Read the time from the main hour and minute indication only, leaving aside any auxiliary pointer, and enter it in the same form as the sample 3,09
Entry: 4,59
